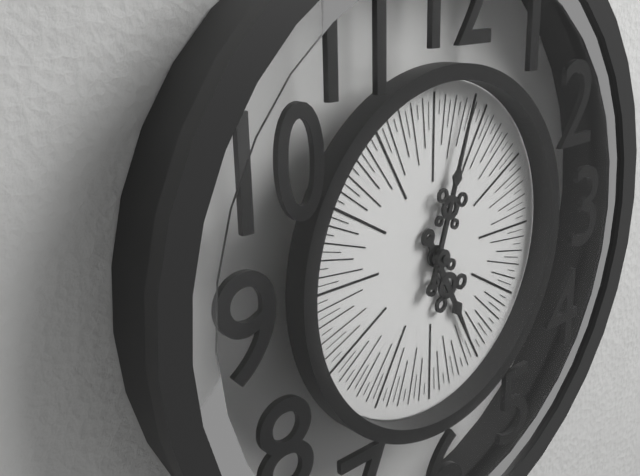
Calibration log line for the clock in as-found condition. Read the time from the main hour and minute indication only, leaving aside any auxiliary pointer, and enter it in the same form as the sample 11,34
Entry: 5,03
